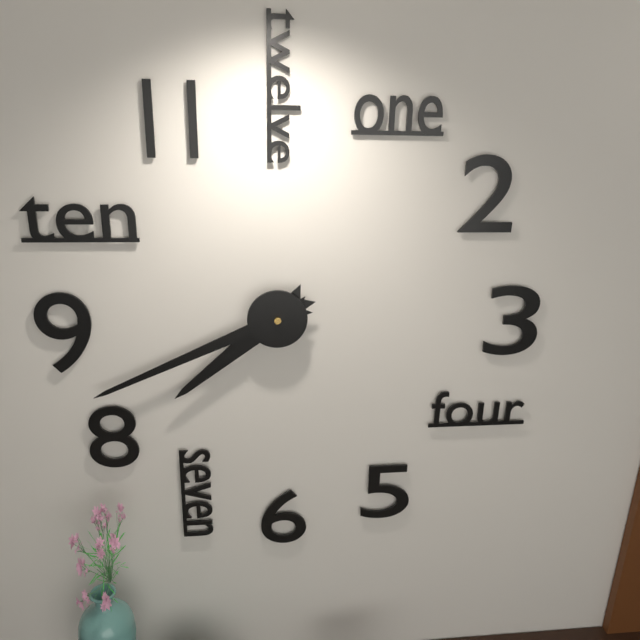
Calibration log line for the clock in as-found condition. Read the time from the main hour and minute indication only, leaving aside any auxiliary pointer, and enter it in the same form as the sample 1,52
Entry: 7,41
